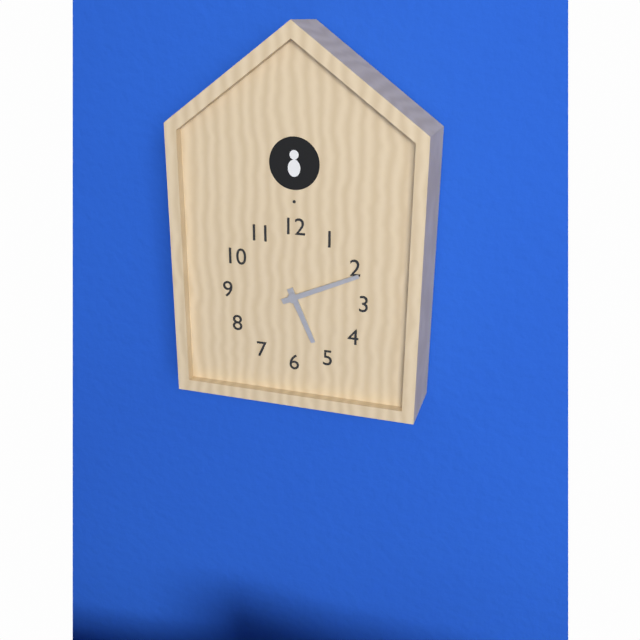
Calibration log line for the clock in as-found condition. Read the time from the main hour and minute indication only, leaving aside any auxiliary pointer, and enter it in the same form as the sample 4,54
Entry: 5,11
